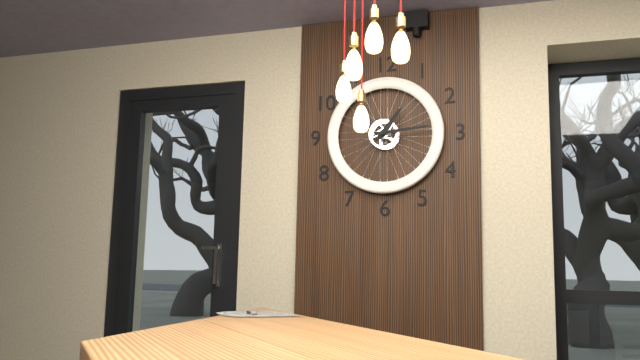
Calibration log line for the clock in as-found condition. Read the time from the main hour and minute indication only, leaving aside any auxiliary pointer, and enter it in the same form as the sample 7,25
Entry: 1,14
